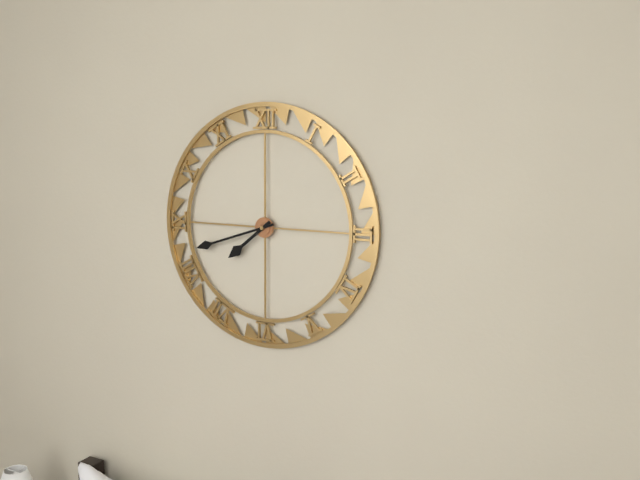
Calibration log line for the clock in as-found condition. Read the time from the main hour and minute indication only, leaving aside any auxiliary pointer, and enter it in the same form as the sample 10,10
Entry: 7,42
